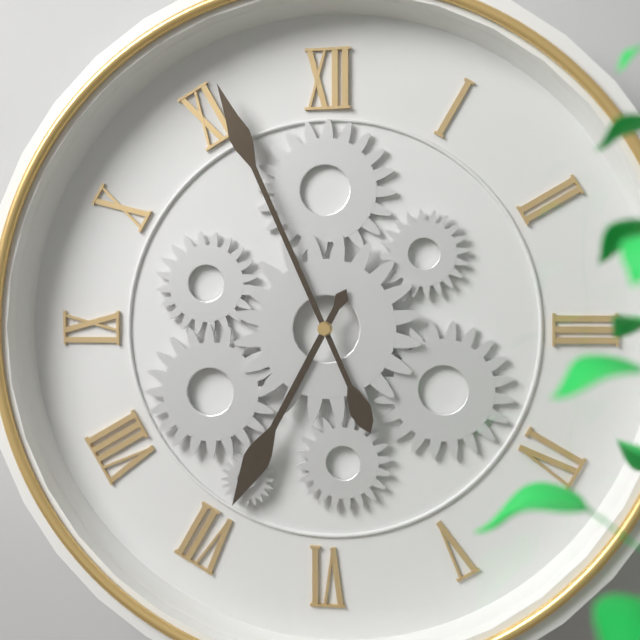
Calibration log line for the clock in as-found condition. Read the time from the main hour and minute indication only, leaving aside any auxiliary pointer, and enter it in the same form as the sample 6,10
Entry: 6,56
